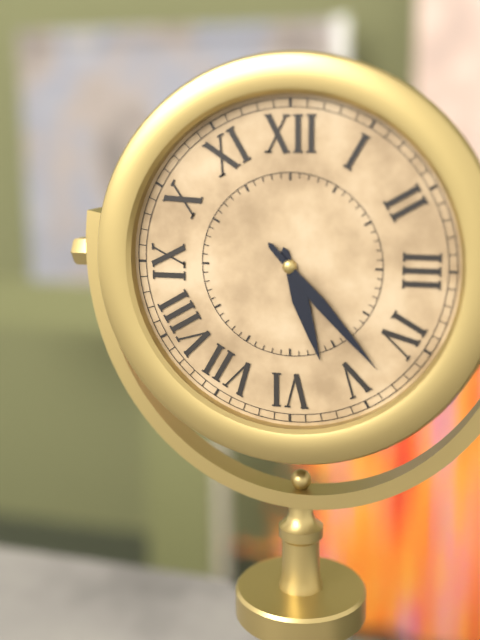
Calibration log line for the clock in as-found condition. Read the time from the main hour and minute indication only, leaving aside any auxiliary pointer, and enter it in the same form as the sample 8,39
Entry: 5,23
